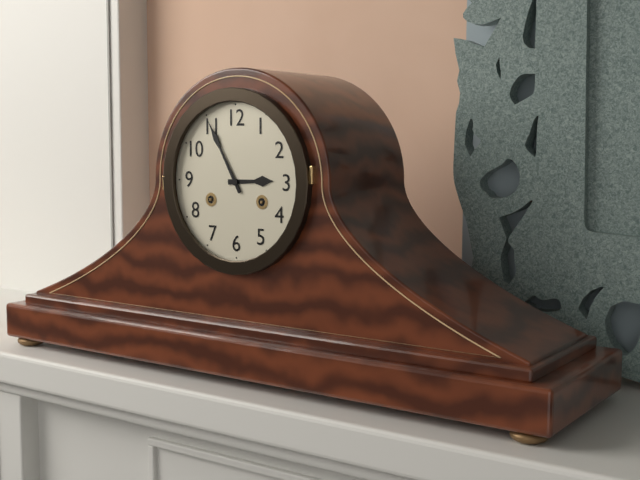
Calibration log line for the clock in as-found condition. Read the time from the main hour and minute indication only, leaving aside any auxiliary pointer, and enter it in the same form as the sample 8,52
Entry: 2,55
